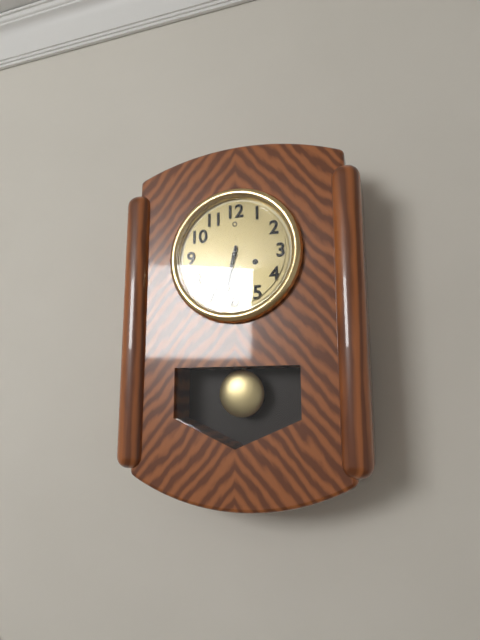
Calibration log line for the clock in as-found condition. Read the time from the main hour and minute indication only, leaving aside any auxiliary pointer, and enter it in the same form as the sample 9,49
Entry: 6,32
